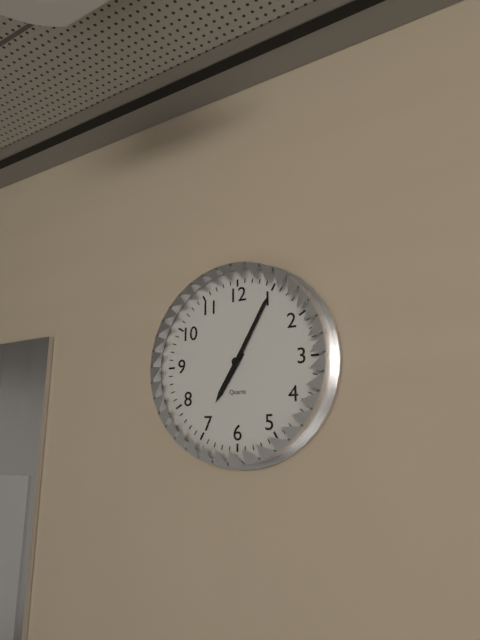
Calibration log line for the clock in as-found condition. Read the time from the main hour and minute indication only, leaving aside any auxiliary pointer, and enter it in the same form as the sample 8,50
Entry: 7,05
